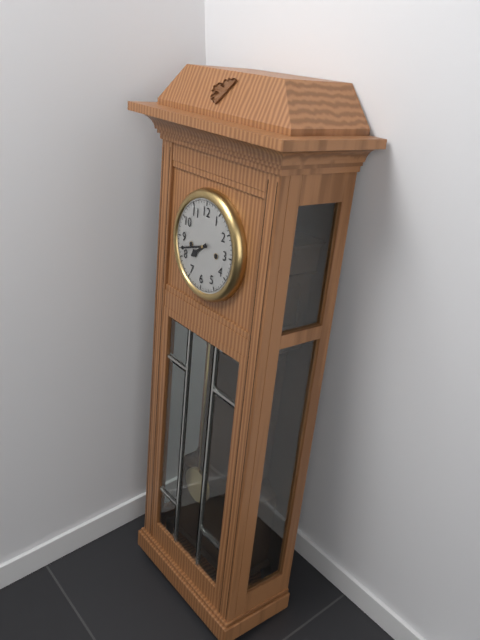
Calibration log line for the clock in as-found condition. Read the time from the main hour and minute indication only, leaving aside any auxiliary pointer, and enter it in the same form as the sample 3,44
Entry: 7,42
